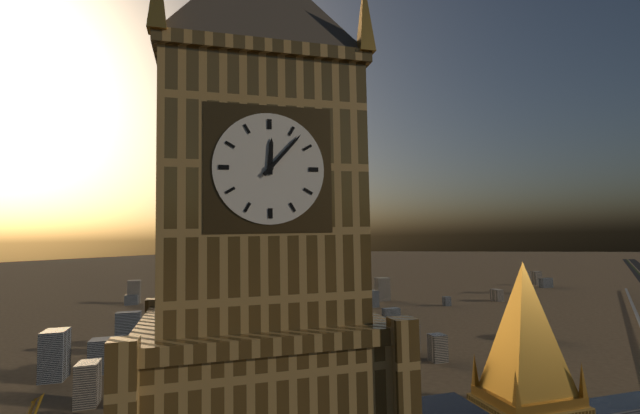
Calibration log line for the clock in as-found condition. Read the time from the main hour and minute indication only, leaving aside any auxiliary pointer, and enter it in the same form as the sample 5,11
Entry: 12,07
